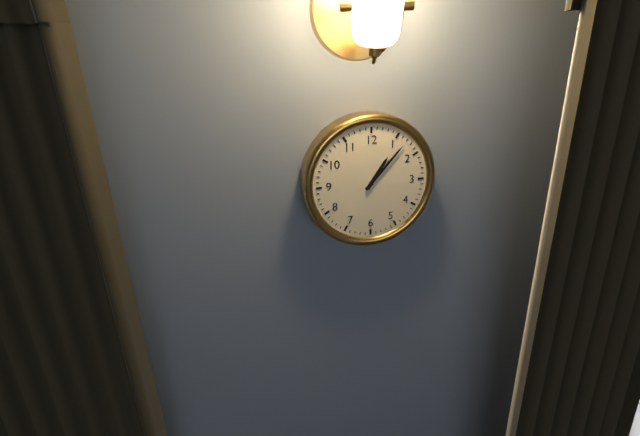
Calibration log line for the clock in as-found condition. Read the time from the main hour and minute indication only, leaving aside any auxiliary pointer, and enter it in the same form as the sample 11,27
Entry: 1,07
